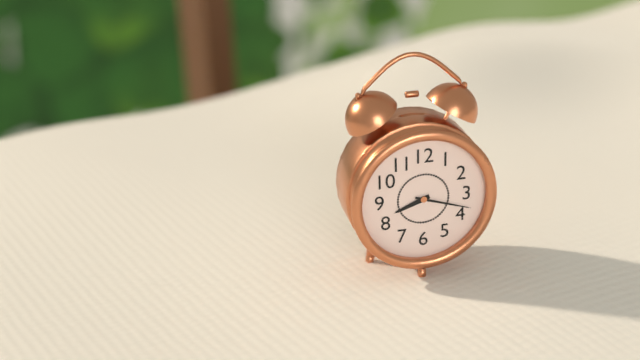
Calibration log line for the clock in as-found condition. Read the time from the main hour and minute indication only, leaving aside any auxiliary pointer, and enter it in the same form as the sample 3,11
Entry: 8,18
